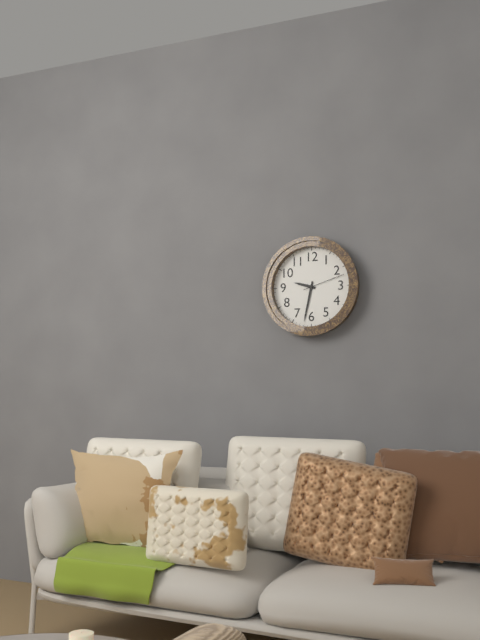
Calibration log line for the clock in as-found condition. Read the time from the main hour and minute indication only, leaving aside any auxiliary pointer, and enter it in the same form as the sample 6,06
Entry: 9,32
